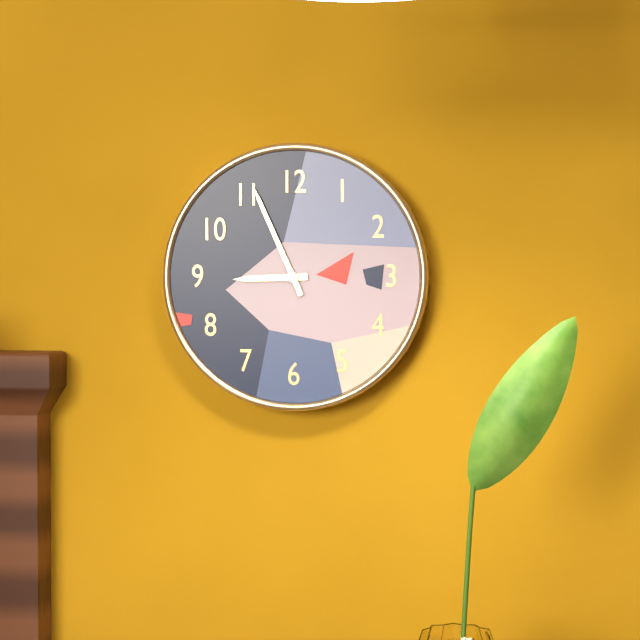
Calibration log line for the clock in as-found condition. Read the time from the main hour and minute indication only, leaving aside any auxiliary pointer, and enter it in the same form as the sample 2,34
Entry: 8,56
